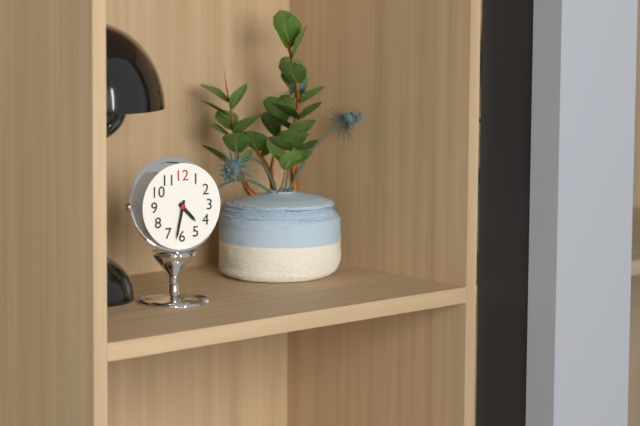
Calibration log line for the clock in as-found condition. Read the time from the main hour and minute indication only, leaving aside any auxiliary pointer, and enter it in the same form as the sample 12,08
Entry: 4,32
